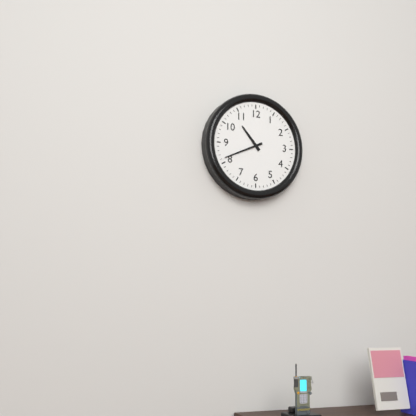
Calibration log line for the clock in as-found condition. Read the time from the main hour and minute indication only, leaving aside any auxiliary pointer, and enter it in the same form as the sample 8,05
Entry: 10,41
